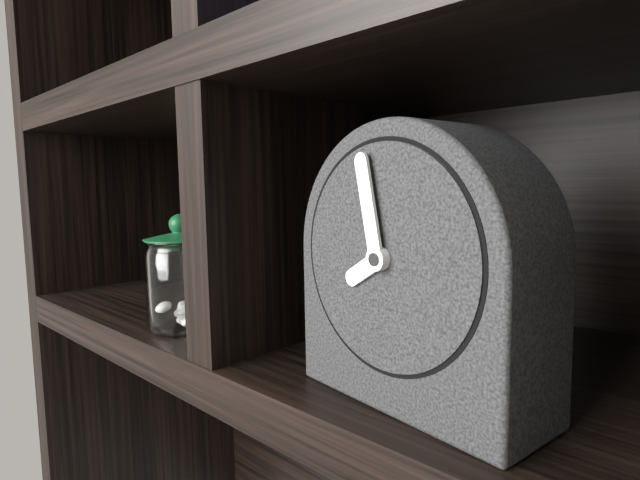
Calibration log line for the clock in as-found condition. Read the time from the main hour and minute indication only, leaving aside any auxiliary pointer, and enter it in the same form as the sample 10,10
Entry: 7,58
